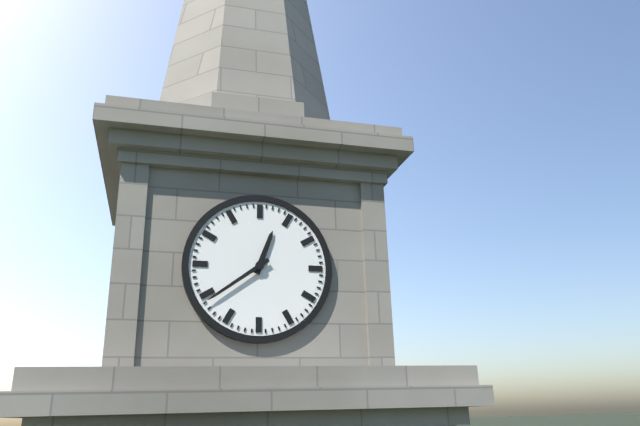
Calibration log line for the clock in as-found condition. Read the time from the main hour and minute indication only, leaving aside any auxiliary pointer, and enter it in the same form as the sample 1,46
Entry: 12,39
